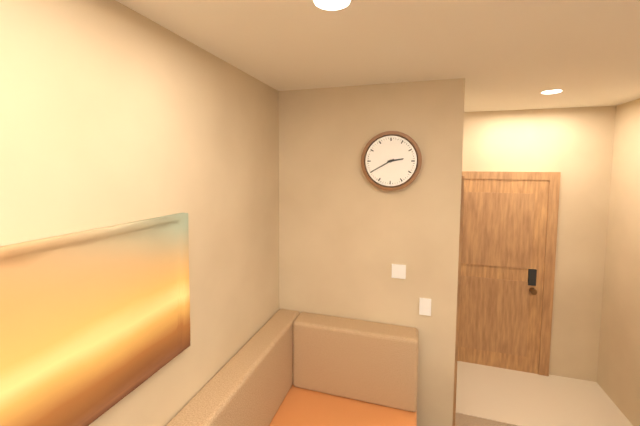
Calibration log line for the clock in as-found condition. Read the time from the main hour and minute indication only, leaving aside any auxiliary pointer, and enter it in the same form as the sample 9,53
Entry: 2,40
